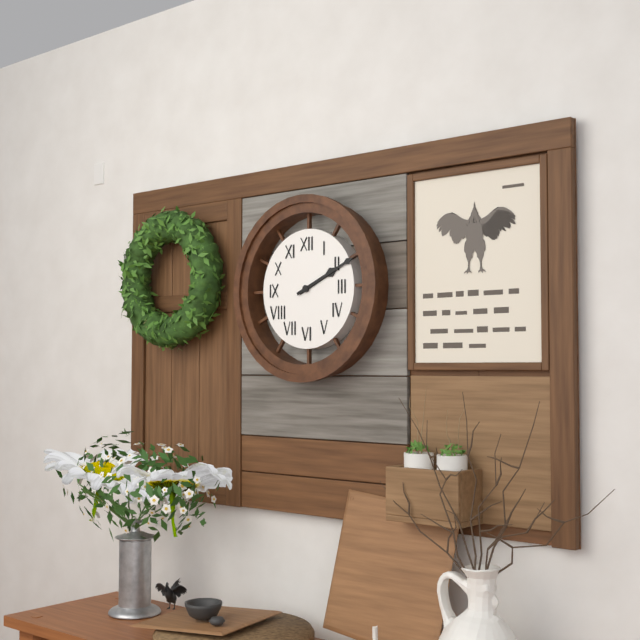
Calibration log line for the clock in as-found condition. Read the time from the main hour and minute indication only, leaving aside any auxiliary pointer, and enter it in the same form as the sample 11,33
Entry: 2,11
